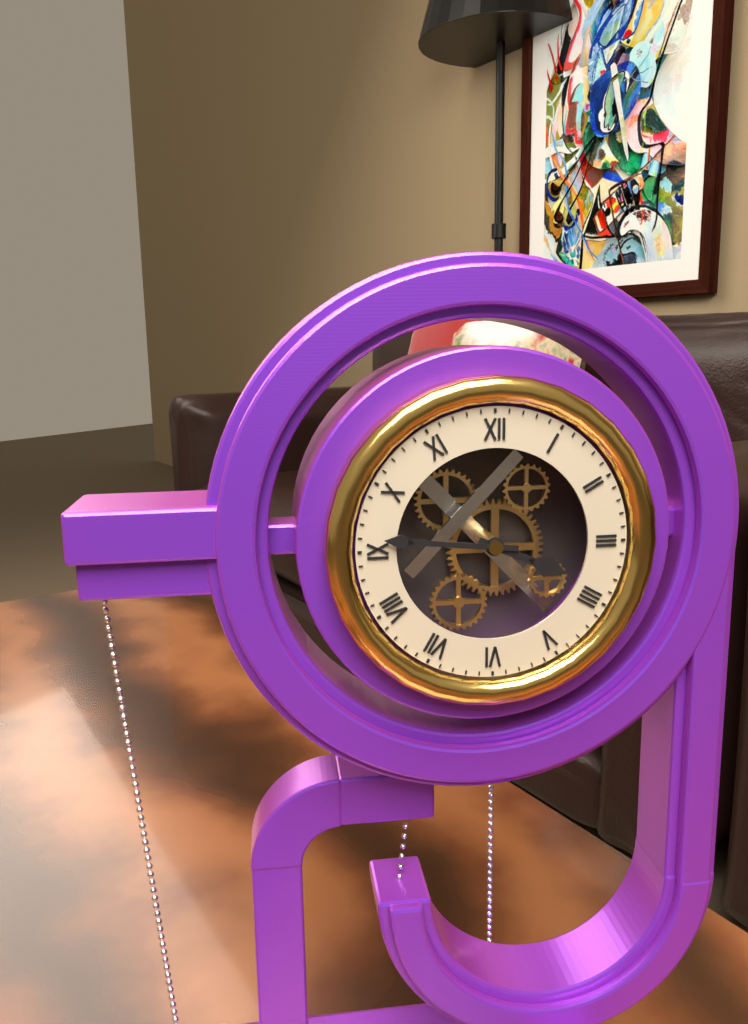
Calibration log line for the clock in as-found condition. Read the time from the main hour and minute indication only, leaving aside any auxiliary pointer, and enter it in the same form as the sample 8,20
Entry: 3,46
